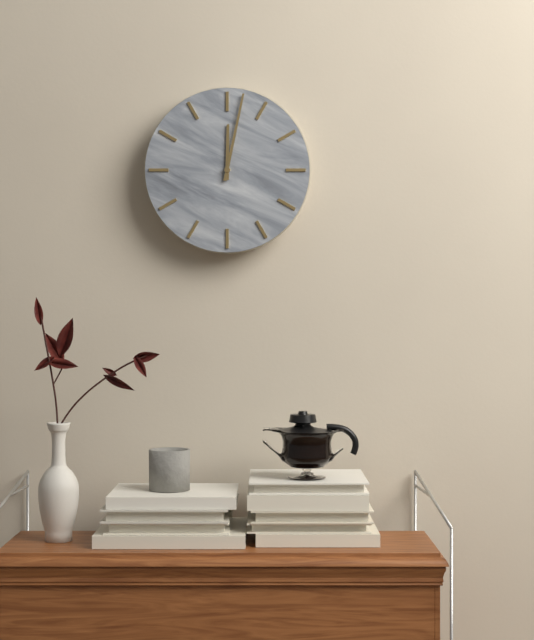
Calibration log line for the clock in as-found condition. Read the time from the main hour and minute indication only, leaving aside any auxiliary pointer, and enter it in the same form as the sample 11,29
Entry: 12,02
